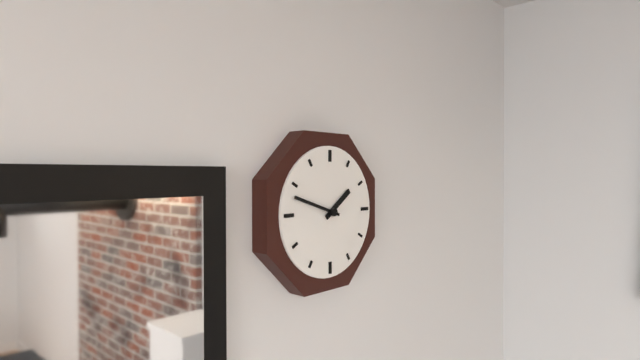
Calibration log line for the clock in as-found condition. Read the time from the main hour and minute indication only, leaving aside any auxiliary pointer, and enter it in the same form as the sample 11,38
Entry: 1,48
